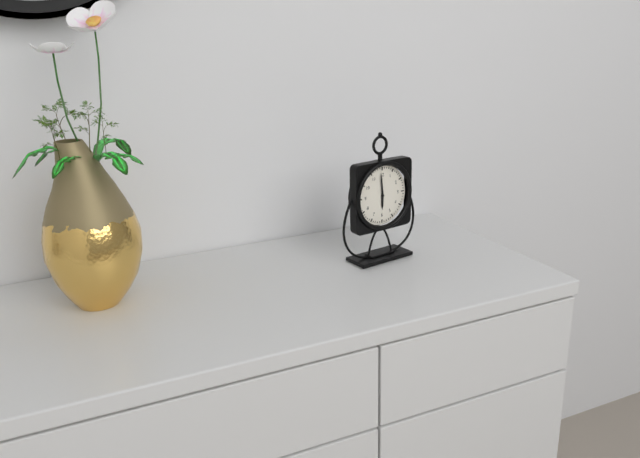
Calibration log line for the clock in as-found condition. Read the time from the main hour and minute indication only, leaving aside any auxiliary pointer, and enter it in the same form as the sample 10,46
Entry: 5,59
